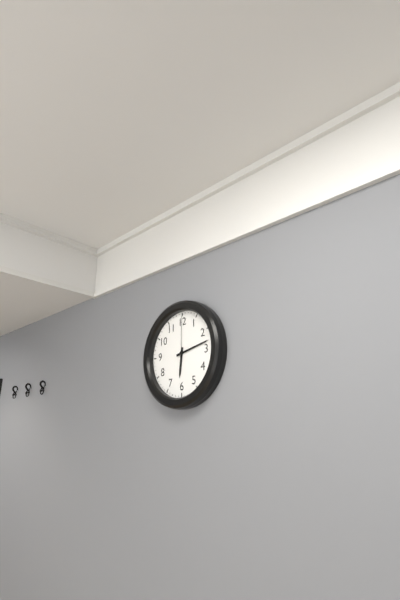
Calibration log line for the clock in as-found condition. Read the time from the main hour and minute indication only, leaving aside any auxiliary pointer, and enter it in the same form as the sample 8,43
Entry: 6,13
